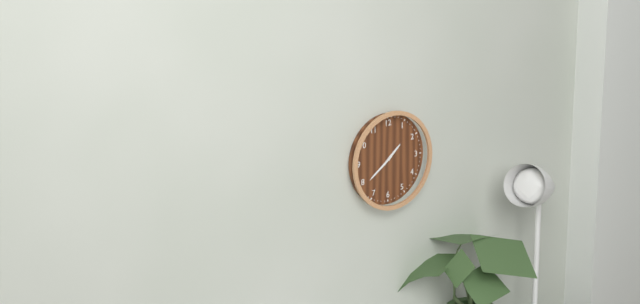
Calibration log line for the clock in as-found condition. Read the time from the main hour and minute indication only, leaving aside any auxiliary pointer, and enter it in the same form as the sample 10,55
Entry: 1,39
